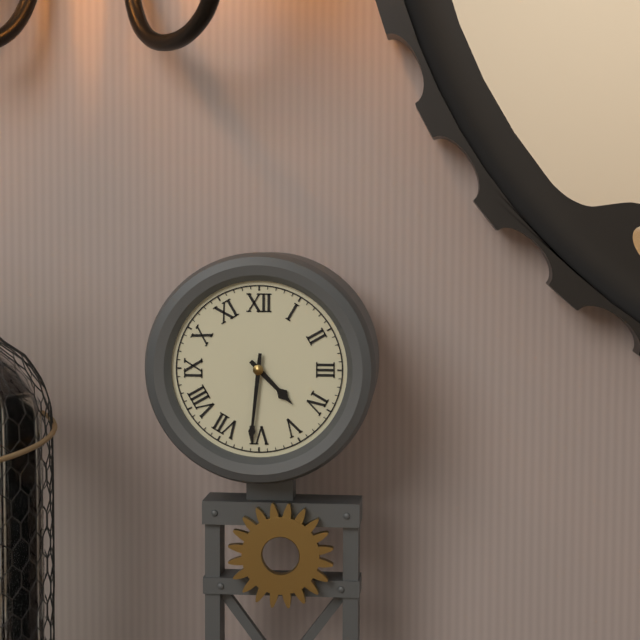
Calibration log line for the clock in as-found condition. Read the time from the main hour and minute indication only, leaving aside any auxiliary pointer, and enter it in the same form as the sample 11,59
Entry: 4,31
